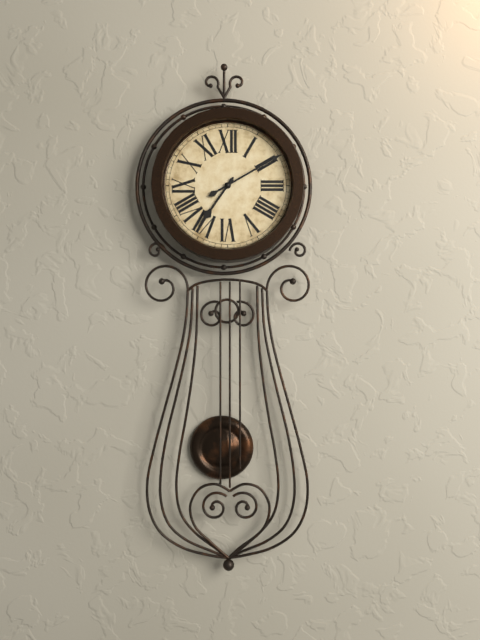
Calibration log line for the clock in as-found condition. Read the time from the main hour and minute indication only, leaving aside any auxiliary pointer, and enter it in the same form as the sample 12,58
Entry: 7,10
